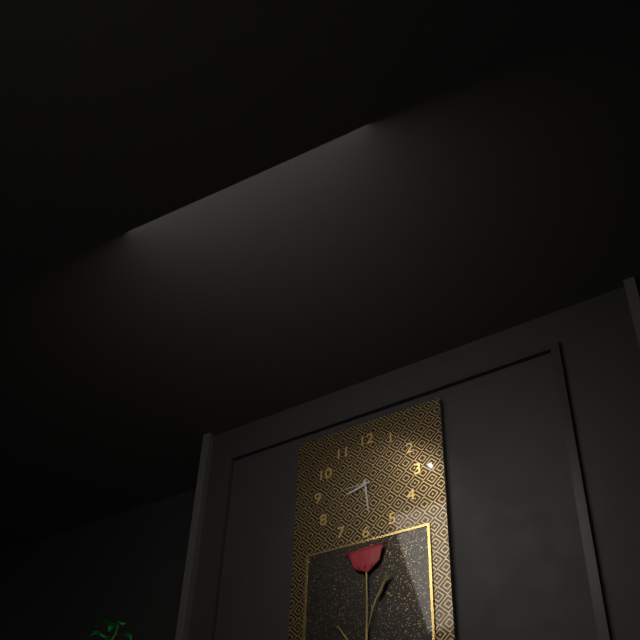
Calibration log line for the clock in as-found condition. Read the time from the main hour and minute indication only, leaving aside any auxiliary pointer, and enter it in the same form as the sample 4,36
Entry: 8,29
